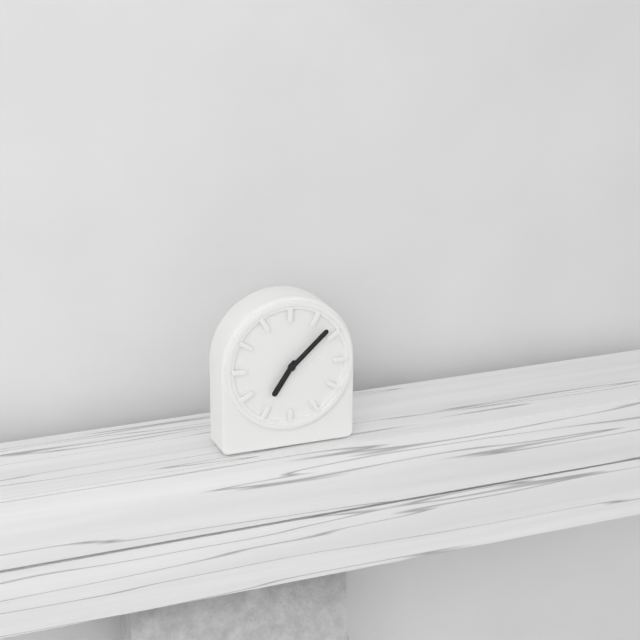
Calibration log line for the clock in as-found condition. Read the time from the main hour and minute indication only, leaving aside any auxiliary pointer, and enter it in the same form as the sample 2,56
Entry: 7,08
